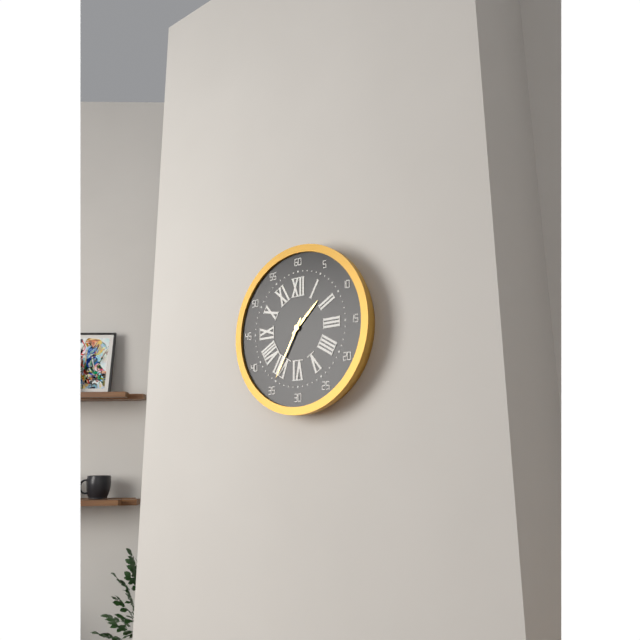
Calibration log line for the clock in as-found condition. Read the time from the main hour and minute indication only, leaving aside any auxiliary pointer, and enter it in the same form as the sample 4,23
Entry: 1,35
